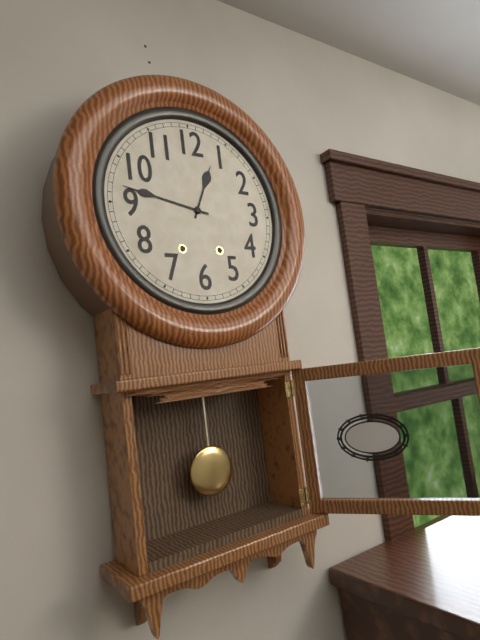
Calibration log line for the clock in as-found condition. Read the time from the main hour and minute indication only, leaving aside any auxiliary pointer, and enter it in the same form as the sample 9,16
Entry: 12,47
